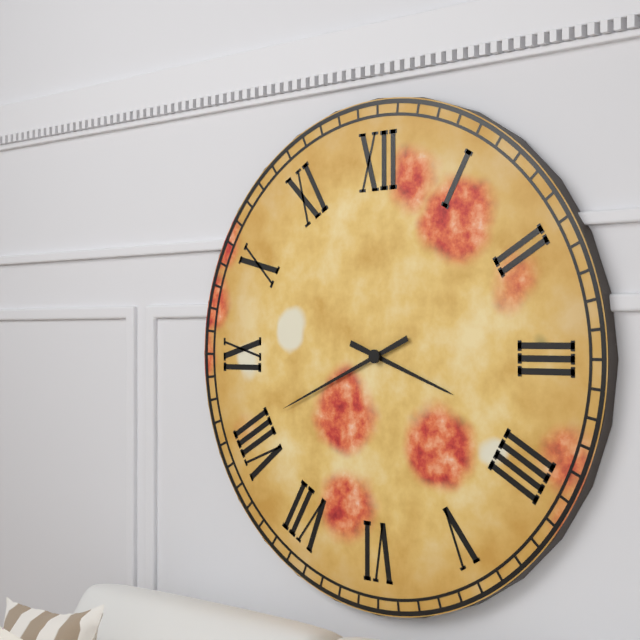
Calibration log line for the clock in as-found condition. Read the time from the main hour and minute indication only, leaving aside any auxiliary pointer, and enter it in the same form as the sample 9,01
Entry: 3,41
